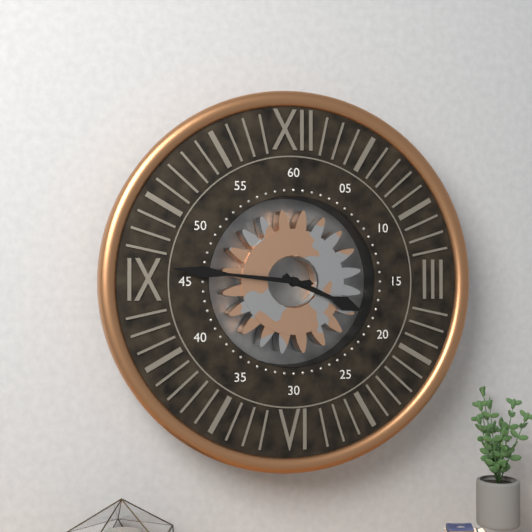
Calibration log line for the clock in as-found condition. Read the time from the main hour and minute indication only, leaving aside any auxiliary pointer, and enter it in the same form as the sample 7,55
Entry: 3,46
